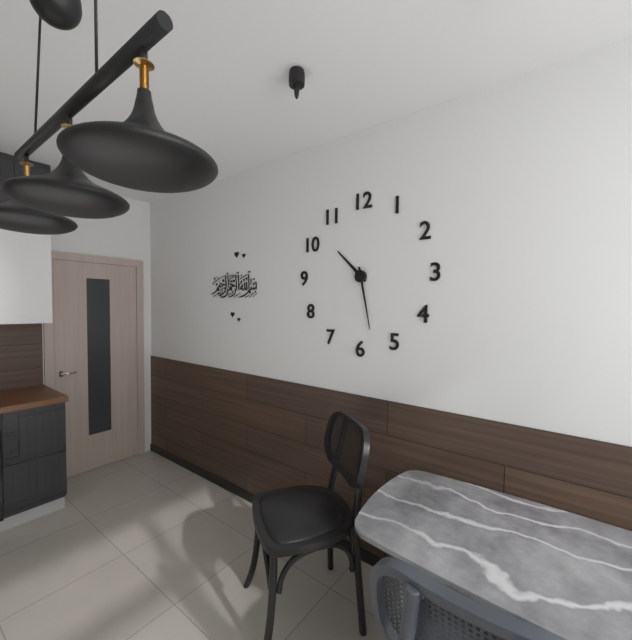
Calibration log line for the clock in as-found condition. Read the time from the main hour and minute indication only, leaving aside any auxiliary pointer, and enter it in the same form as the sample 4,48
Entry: 10,28
